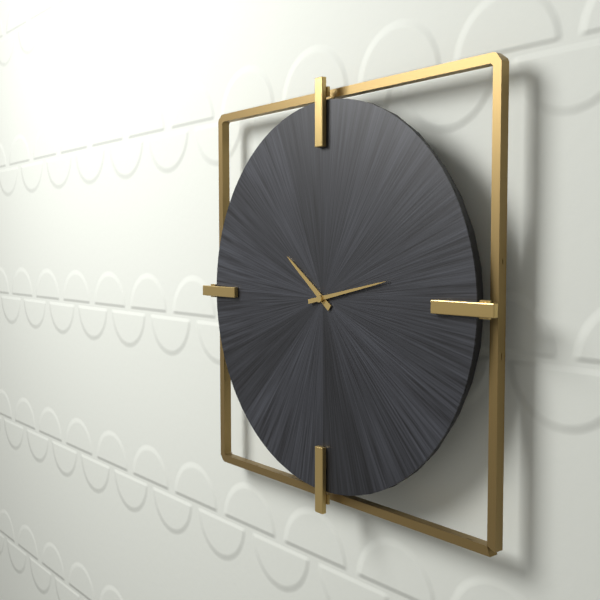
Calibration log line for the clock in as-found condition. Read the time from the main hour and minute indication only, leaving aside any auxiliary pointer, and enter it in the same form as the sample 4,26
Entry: 10,13
